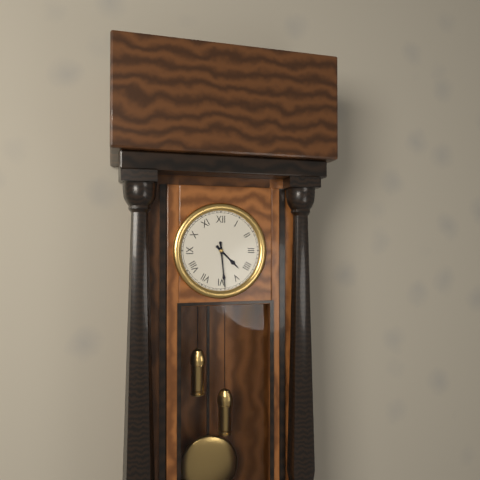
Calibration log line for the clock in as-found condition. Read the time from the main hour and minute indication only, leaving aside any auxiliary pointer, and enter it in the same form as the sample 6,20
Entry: 4,29
